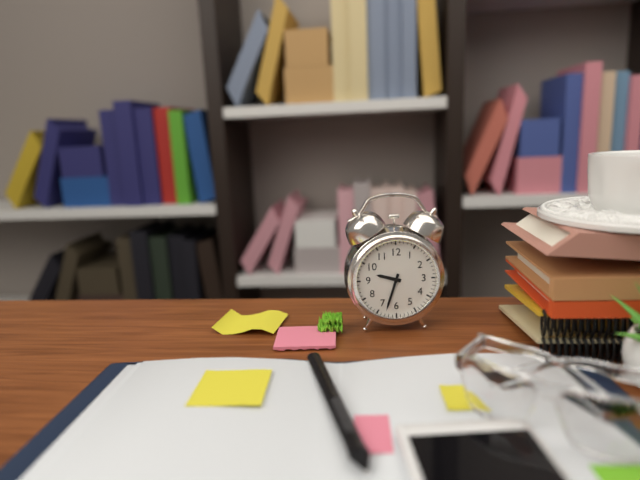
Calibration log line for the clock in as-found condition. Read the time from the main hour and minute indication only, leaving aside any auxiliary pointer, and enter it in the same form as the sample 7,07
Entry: 9,33
